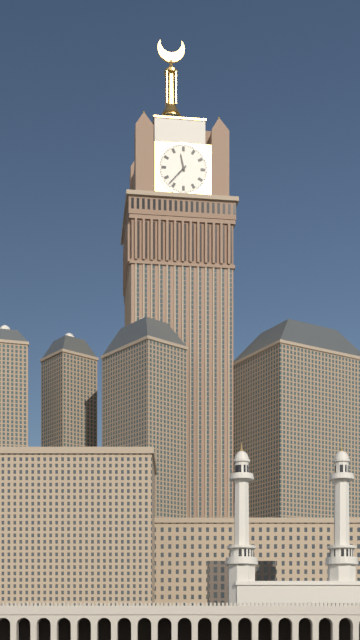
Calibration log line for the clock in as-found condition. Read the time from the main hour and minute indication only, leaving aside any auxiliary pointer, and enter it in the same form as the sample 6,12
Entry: 11,37
